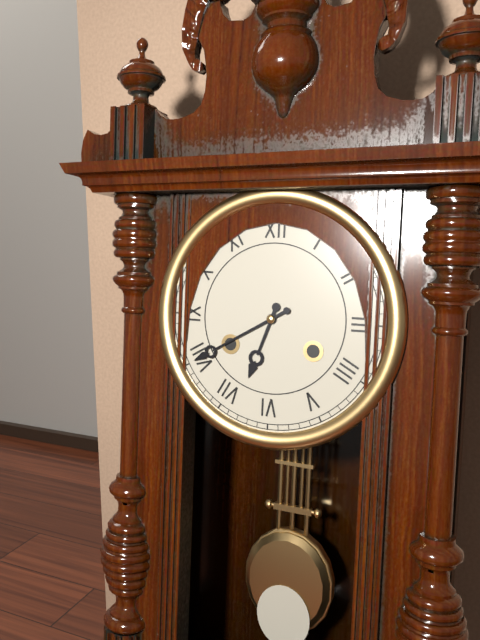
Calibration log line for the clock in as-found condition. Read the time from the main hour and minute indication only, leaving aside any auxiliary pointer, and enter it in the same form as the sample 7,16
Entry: 6,40
